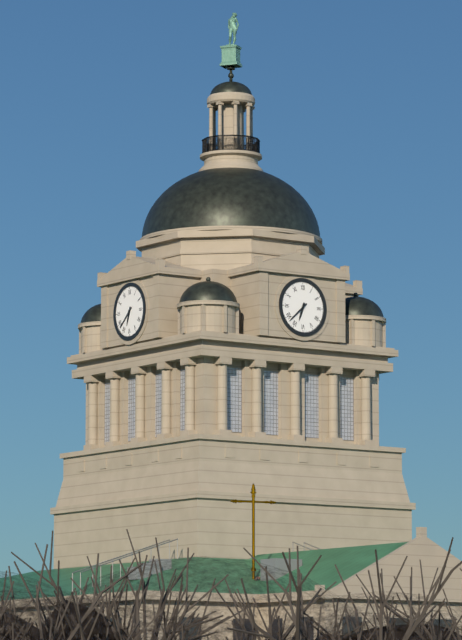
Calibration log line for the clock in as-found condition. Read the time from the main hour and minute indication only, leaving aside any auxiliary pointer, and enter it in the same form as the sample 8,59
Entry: 6,38
